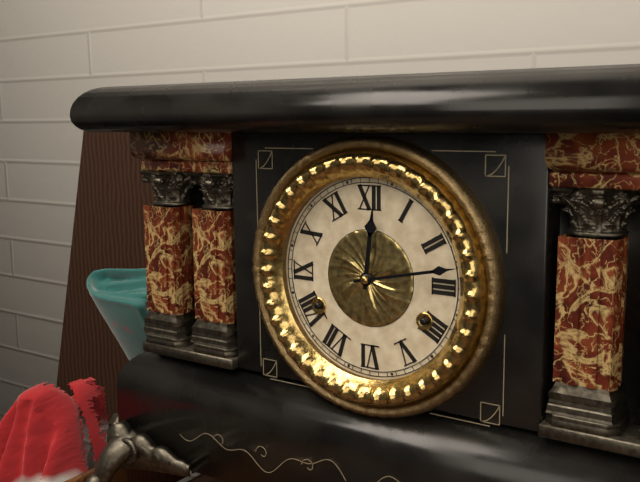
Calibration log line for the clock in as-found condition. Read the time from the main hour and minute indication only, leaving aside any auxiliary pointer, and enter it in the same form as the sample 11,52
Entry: 12,13
